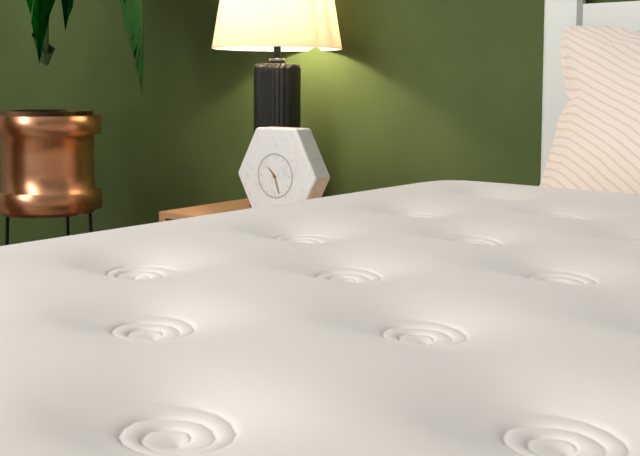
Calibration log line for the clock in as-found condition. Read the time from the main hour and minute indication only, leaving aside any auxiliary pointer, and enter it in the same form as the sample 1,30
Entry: 10,27
